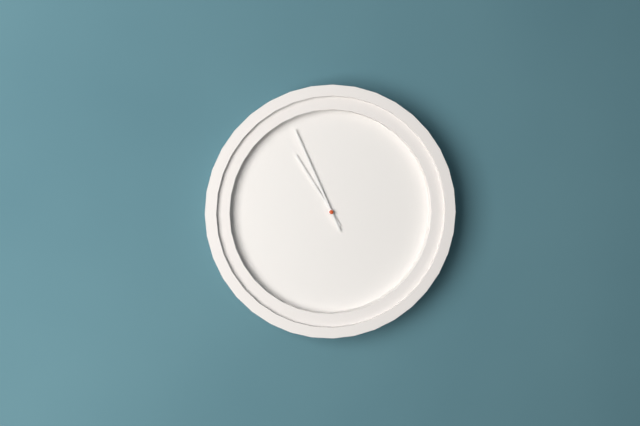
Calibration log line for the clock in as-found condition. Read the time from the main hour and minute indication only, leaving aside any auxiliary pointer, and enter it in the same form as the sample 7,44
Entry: 10,56
